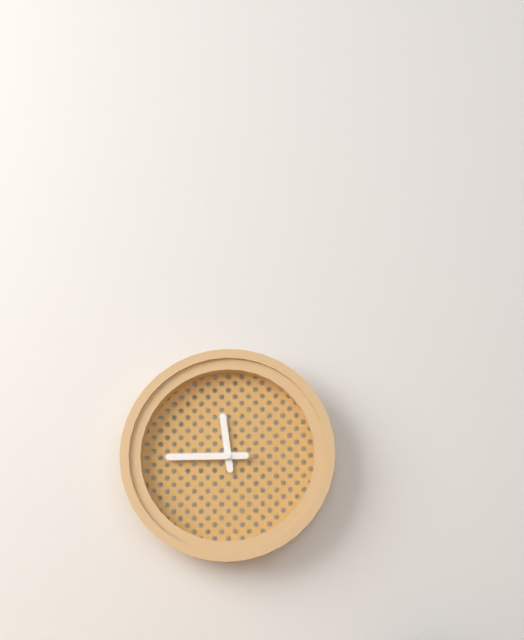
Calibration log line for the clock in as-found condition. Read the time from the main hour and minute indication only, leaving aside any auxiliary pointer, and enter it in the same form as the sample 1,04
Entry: 11,45
